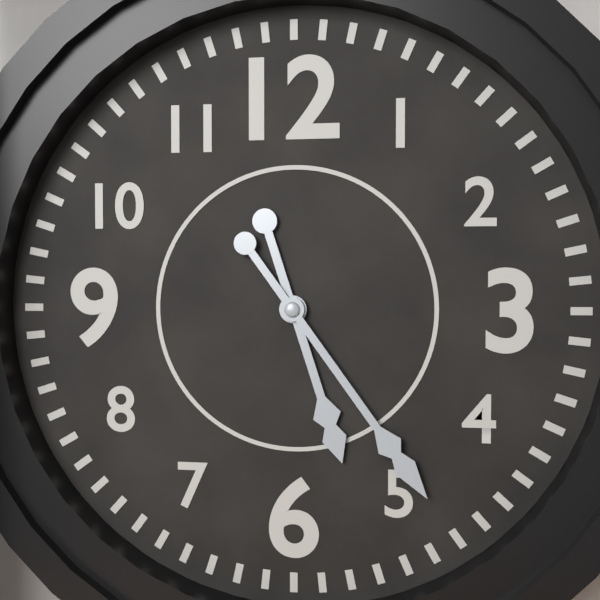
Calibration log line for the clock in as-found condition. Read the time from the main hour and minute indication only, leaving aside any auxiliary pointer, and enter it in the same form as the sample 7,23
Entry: 5,24
